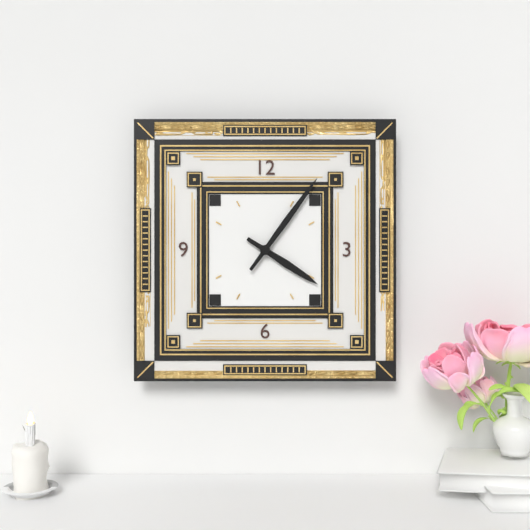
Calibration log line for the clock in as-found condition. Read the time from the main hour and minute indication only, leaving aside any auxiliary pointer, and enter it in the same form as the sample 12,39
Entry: 4,06
